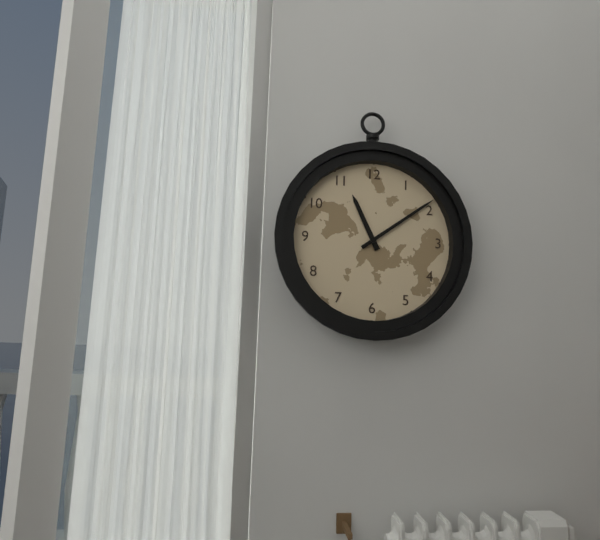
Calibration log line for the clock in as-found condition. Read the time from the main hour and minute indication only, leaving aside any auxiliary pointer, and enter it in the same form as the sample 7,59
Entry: 11,09
